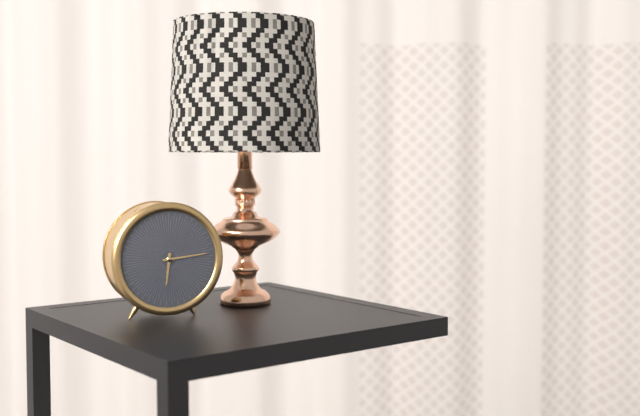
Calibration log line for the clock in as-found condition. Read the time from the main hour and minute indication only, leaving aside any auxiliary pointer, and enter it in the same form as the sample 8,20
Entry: 6,14
